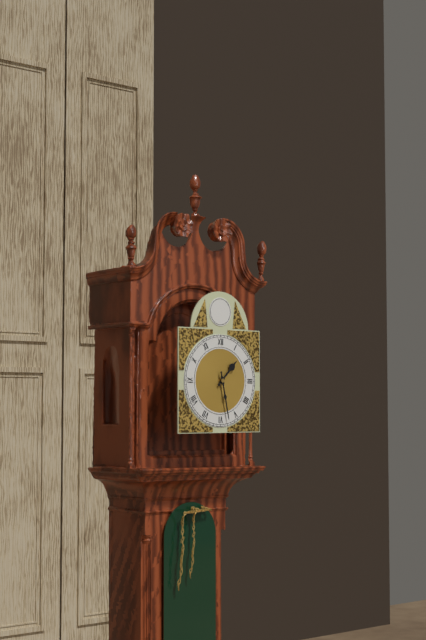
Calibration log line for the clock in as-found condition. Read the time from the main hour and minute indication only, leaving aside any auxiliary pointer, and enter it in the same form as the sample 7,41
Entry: 1,28
